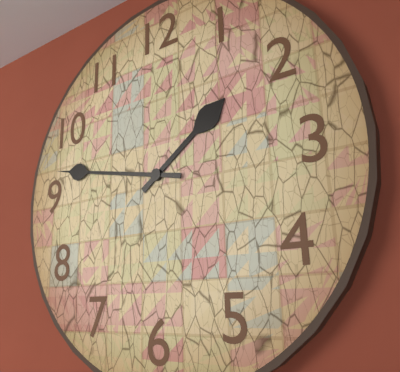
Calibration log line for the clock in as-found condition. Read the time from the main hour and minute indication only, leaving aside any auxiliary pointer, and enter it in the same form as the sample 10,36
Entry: 1,47
